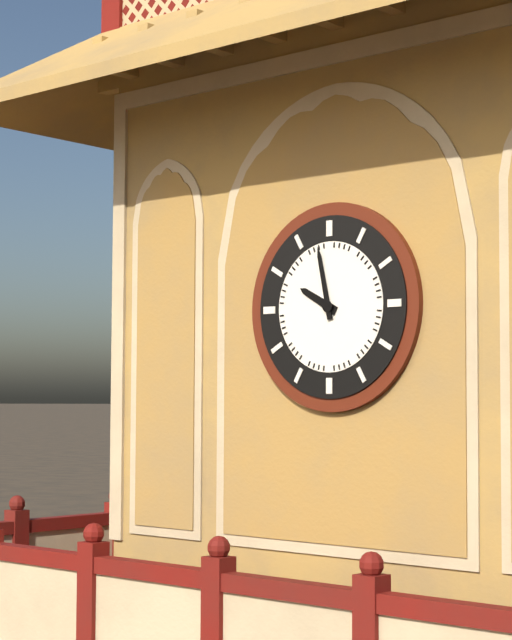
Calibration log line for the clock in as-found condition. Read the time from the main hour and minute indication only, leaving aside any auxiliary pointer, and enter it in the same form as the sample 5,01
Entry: 9,58
